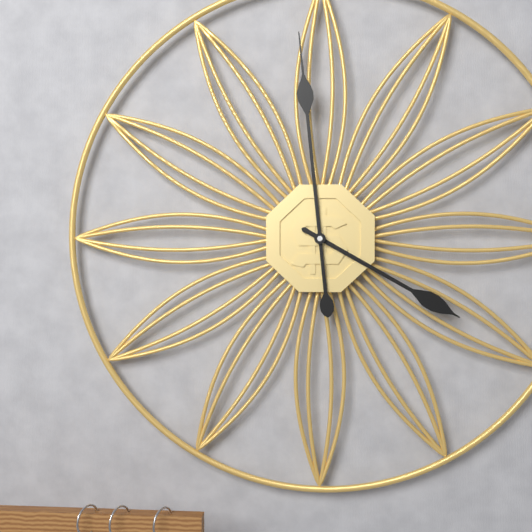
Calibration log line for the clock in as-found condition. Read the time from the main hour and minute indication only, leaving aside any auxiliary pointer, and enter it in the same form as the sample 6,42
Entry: 3,59
